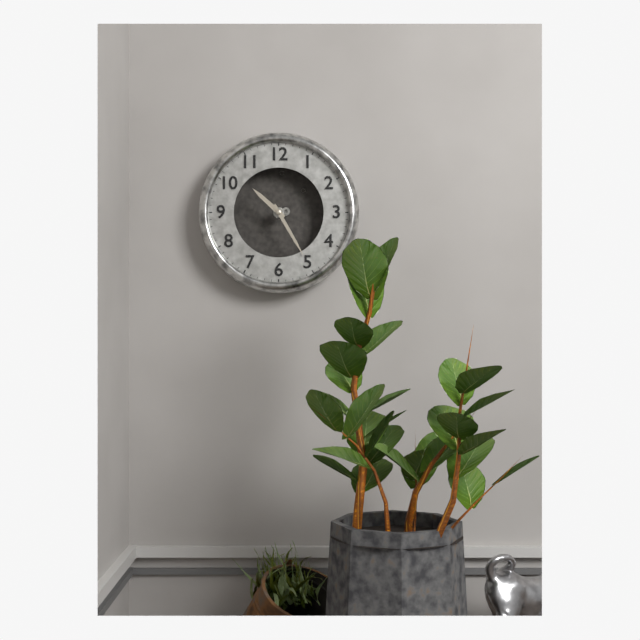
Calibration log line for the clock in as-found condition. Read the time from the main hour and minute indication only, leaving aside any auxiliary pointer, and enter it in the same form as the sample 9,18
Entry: 10,25
